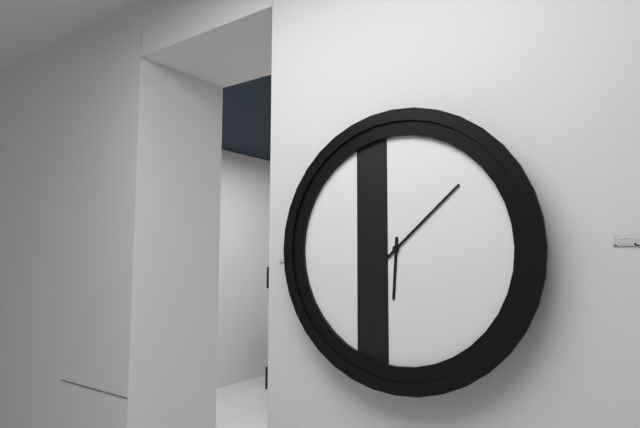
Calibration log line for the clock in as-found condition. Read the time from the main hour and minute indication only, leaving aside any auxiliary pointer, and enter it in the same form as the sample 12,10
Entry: 6,08
